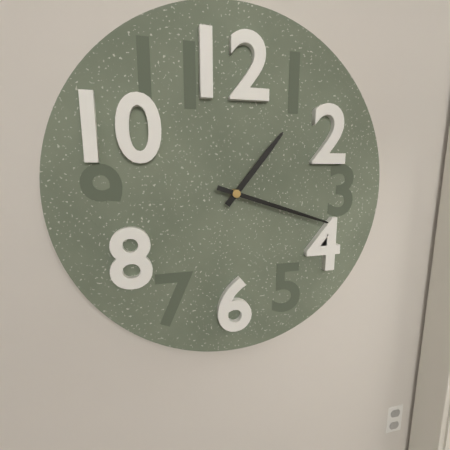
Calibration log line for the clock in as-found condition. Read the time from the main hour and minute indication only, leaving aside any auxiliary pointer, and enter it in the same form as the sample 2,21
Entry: 1,18
